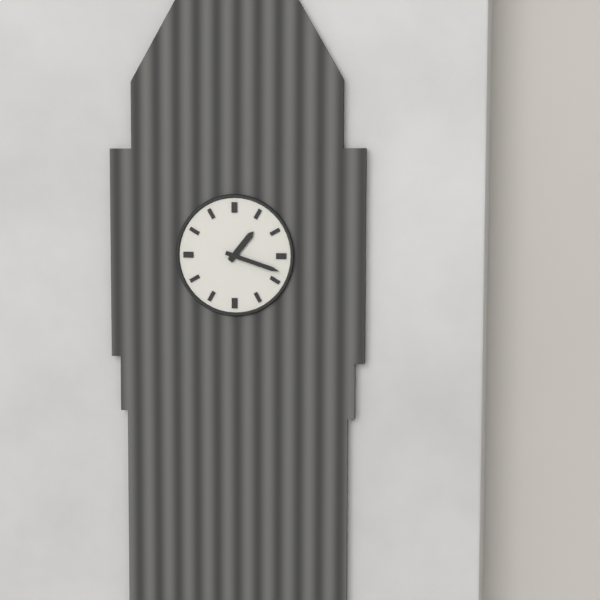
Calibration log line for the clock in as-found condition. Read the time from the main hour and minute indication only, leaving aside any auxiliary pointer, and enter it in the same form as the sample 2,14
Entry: 1,18
